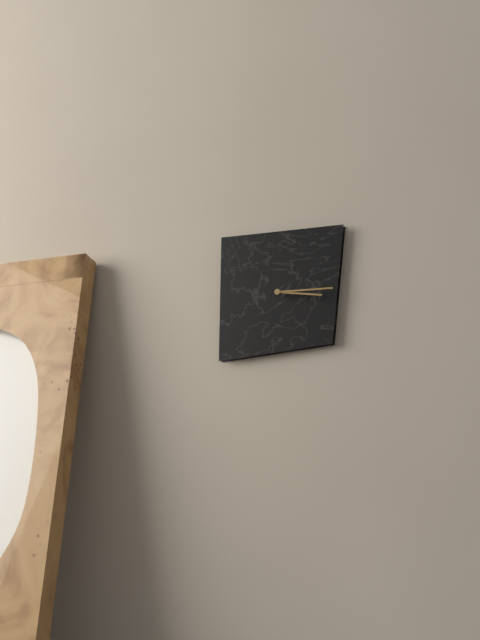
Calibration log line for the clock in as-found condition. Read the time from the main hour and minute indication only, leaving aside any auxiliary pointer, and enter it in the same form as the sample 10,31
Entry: 3,15
